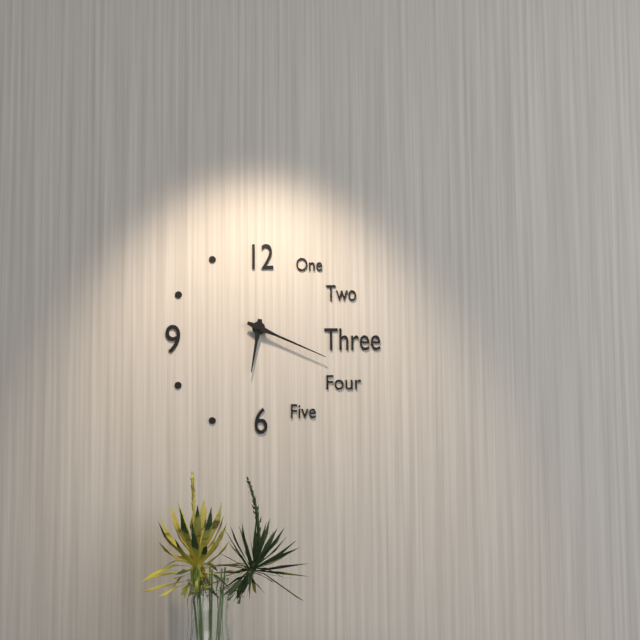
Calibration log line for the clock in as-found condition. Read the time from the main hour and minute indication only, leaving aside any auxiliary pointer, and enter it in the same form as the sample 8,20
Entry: 6,19
